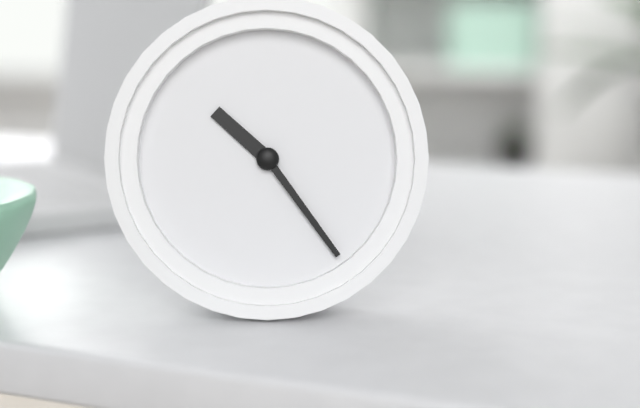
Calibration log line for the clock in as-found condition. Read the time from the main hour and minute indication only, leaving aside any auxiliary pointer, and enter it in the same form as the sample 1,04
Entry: 10,24
